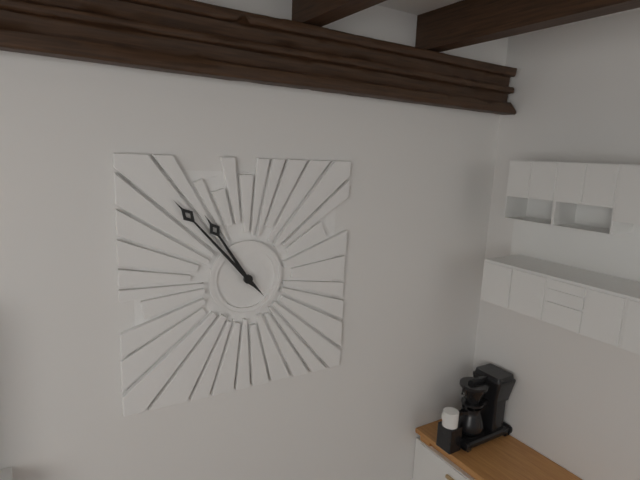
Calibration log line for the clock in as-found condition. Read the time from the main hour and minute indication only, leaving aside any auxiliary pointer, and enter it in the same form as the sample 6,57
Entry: 10,53
